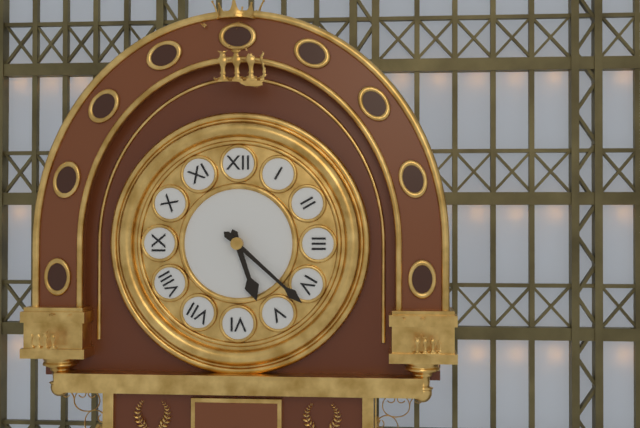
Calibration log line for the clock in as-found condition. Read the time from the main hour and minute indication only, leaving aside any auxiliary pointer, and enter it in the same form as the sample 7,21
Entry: 5,22
